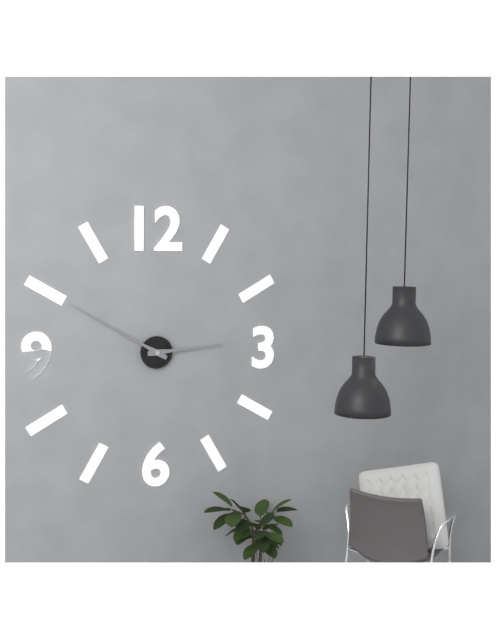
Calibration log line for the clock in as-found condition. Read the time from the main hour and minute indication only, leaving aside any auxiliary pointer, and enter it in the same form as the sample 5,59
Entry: 2,50
